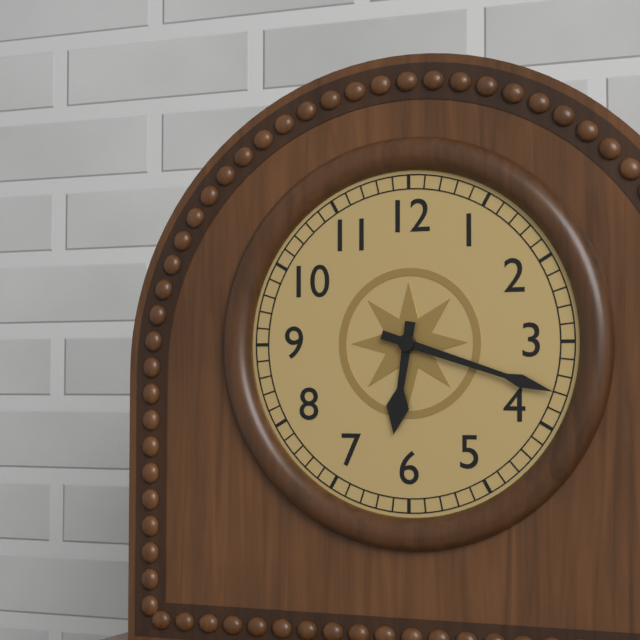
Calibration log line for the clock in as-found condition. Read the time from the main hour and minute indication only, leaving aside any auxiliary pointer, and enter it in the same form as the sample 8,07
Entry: 6,18
